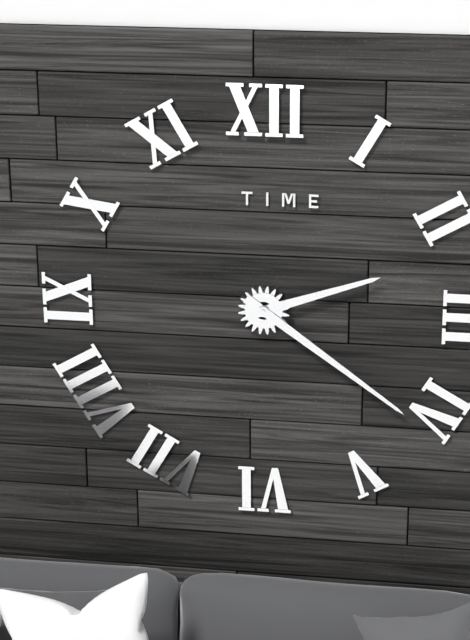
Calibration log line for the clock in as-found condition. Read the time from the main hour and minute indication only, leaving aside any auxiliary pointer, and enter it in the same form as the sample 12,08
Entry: 2,21
